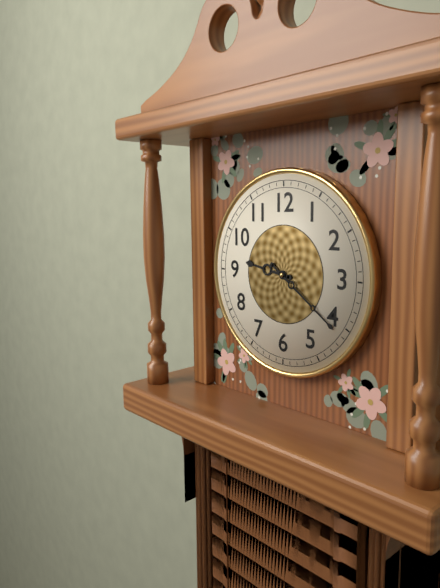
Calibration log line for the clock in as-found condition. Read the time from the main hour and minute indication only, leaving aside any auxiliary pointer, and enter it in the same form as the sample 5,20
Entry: 9,21
